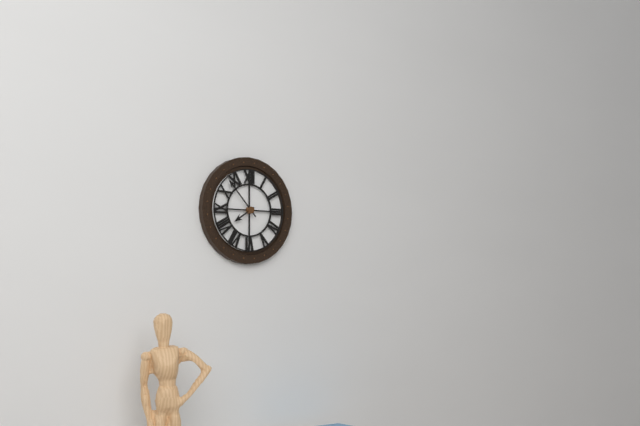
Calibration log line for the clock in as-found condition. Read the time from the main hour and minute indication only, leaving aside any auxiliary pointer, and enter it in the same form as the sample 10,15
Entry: 7,53
